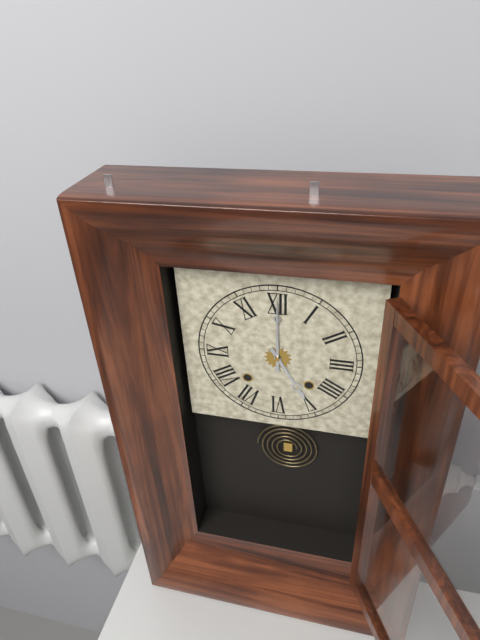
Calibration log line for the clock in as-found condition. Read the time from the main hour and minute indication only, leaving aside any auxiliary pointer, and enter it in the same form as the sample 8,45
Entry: 5,00
